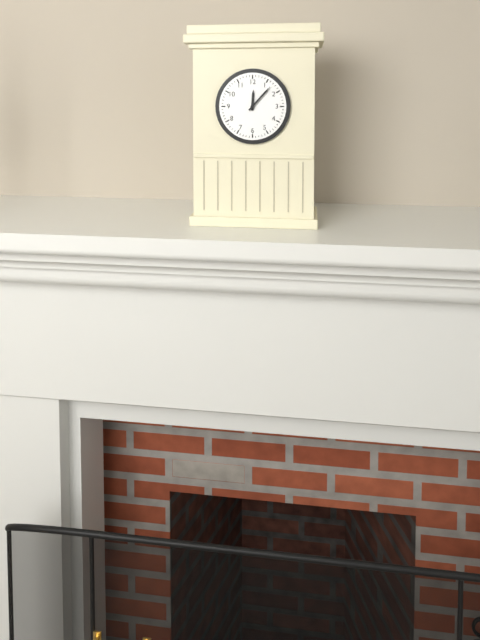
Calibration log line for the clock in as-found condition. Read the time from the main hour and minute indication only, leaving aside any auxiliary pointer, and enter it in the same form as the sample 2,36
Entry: 12,07
